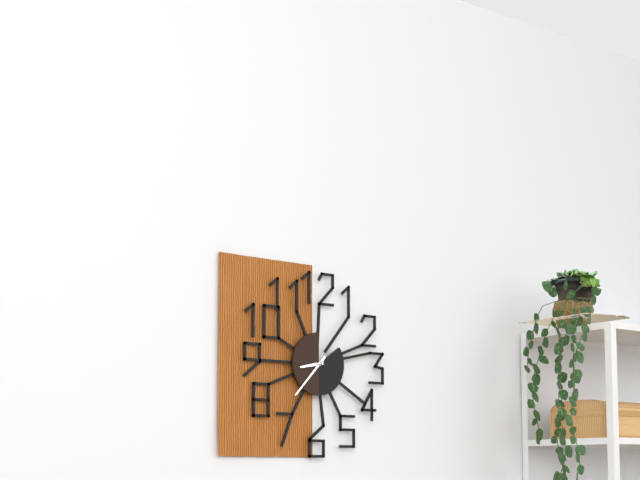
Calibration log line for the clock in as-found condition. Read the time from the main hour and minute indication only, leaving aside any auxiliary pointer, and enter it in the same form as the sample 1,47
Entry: 8,37
